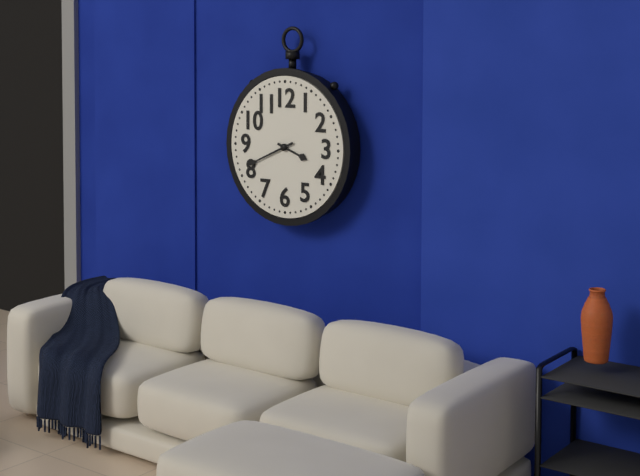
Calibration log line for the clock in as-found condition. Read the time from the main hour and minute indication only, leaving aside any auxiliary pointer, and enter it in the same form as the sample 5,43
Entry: 3,41
